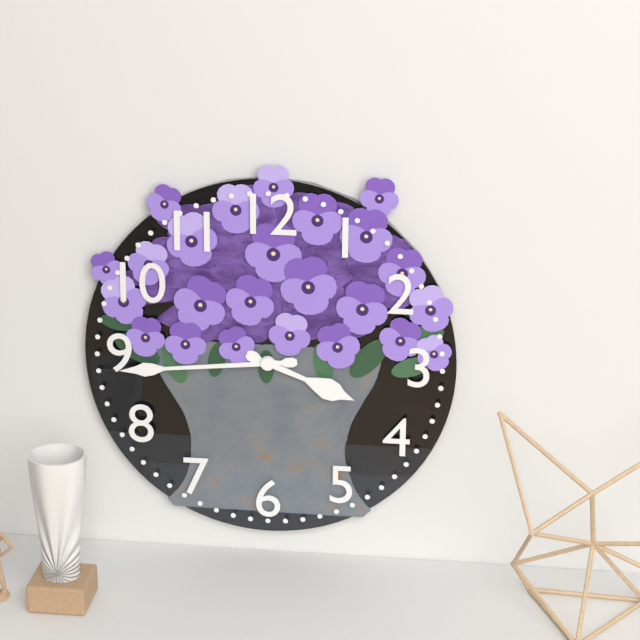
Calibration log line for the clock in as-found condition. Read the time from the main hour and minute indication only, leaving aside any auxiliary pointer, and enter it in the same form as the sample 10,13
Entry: 3,44
